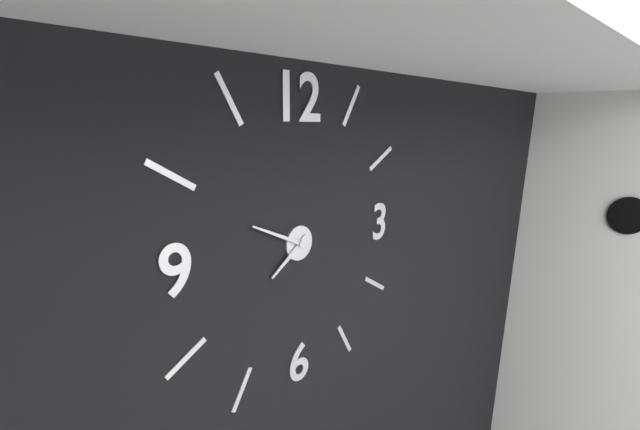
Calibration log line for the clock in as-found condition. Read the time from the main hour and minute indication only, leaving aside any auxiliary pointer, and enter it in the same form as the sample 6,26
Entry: 7,49
